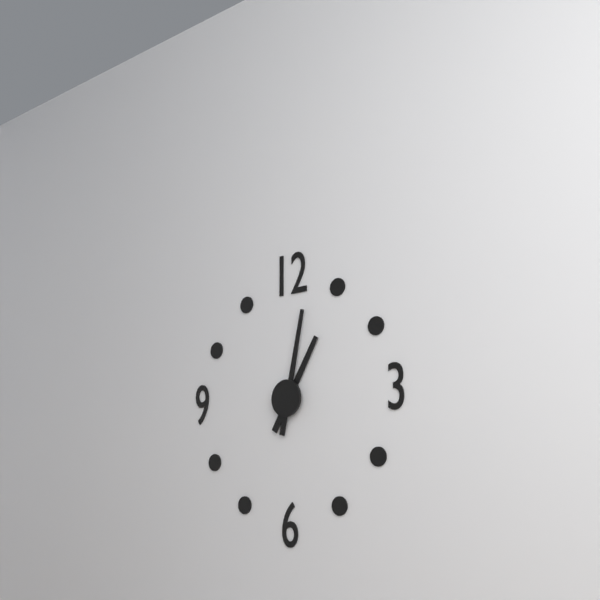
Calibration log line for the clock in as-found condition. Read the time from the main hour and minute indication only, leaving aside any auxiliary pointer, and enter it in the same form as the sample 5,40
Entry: 1,02
